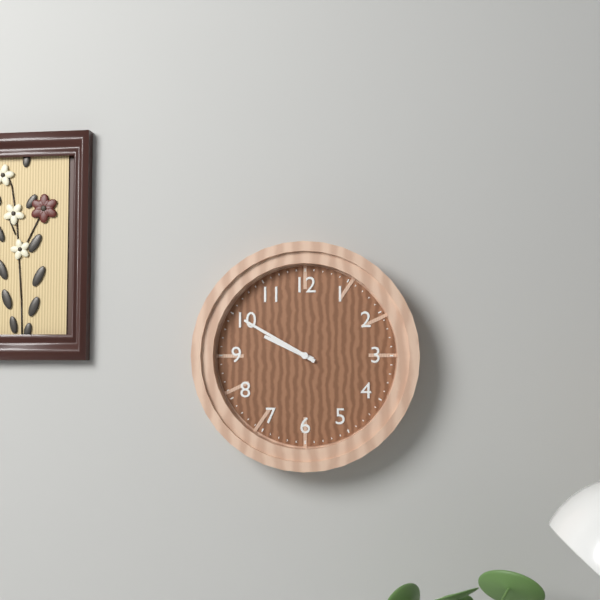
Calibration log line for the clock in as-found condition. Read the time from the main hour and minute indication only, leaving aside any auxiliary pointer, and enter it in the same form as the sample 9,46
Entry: 9,50
